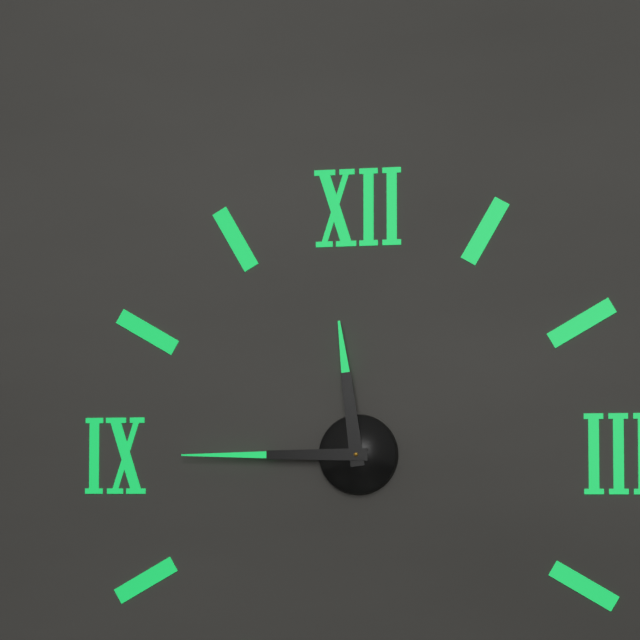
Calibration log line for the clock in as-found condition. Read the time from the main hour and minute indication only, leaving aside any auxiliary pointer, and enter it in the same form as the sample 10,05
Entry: 11,45
